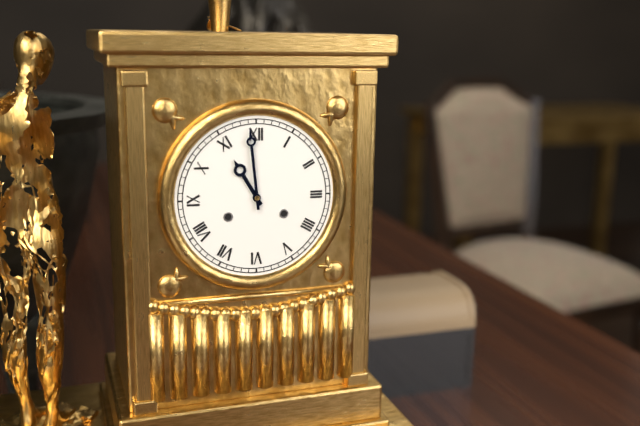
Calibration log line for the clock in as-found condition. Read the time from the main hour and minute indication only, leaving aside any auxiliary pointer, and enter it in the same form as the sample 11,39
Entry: 10,59
